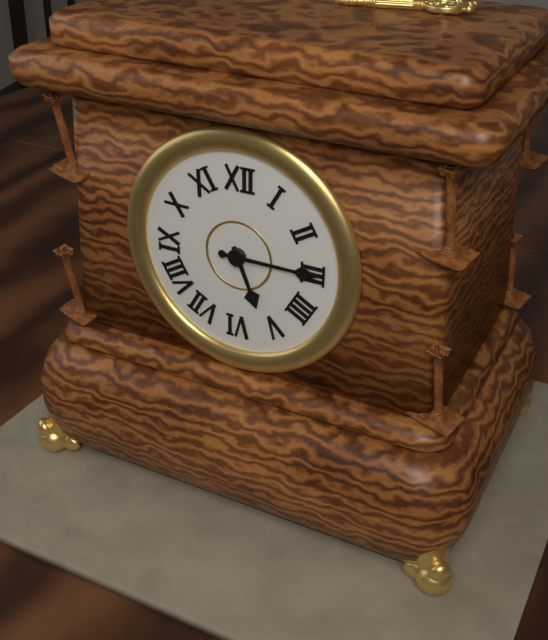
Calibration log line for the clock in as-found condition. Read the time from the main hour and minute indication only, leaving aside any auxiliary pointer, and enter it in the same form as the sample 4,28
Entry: 5,15
